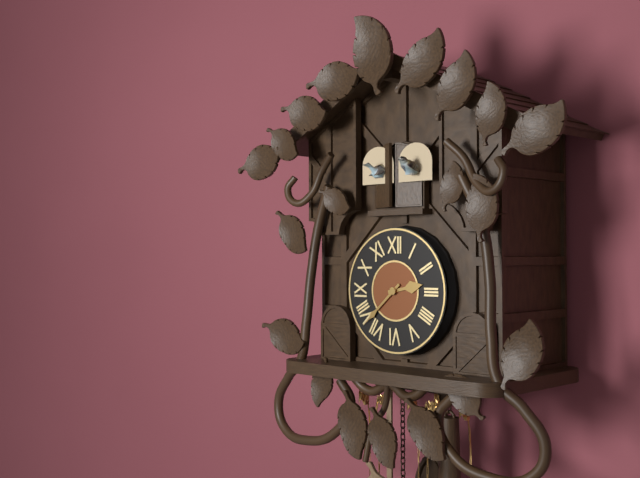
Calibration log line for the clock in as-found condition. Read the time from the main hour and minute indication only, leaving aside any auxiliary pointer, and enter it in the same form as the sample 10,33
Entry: 2,38
